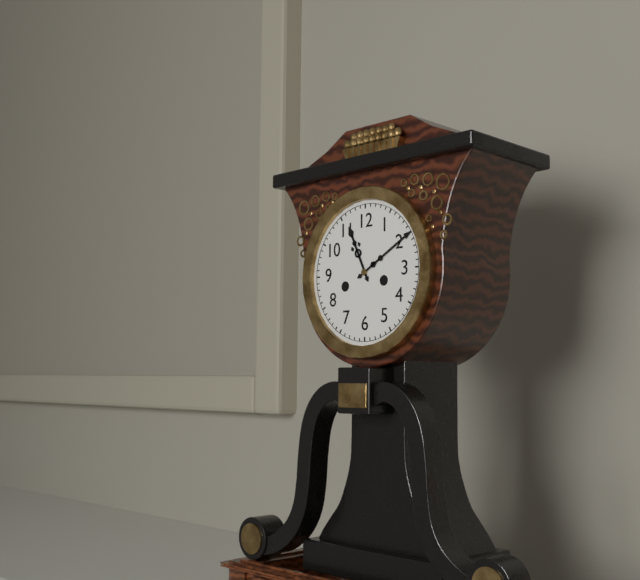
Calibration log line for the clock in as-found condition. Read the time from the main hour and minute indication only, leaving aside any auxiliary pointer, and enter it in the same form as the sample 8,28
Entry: 11,10
